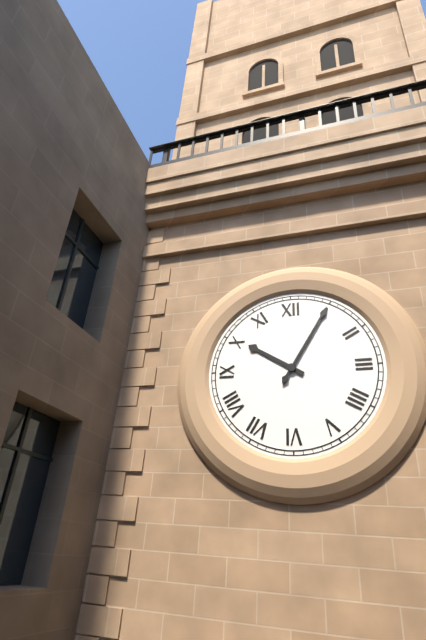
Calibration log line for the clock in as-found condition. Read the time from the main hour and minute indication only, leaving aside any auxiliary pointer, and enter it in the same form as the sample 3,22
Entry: 10,05
